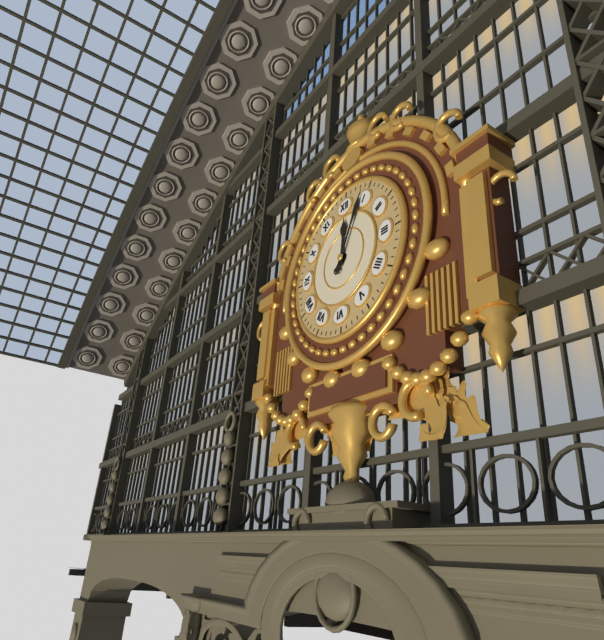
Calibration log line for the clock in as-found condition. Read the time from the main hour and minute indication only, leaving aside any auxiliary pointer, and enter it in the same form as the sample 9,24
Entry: 12,04
